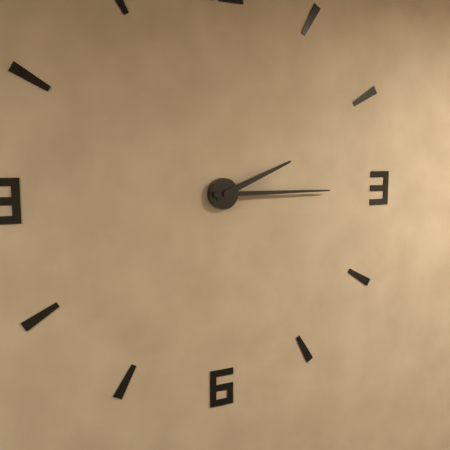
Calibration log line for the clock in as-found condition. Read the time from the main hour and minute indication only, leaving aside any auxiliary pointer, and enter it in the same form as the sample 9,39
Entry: 2,15
